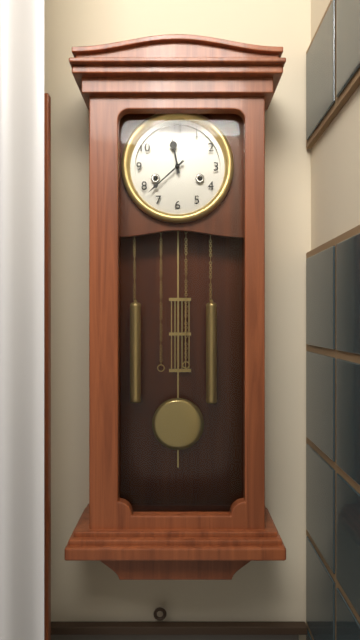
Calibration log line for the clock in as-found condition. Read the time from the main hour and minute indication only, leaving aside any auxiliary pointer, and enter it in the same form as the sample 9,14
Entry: 11,38
